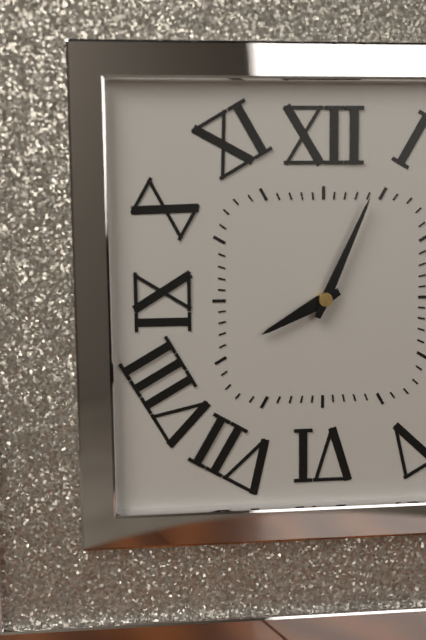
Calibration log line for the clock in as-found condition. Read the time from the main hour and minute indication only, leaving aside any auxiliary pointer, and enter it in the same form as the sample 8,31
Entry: 8,04
